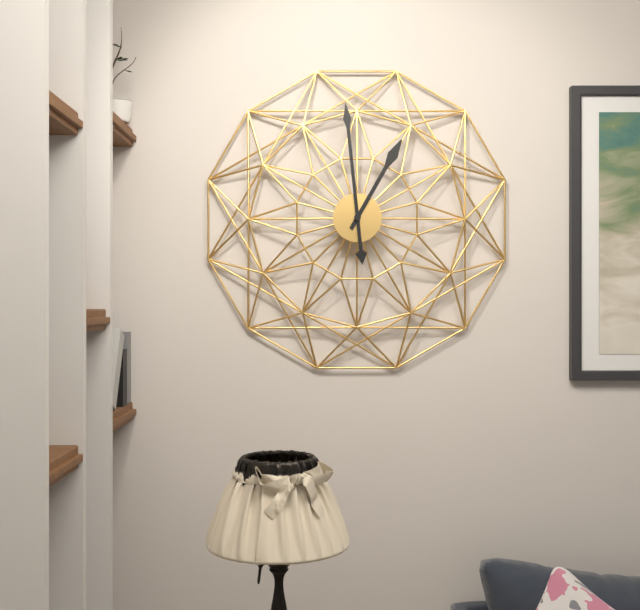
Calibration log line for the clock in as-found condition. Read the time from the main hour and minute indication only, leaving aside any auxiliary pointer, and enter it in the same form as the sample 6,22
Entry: 12,59
